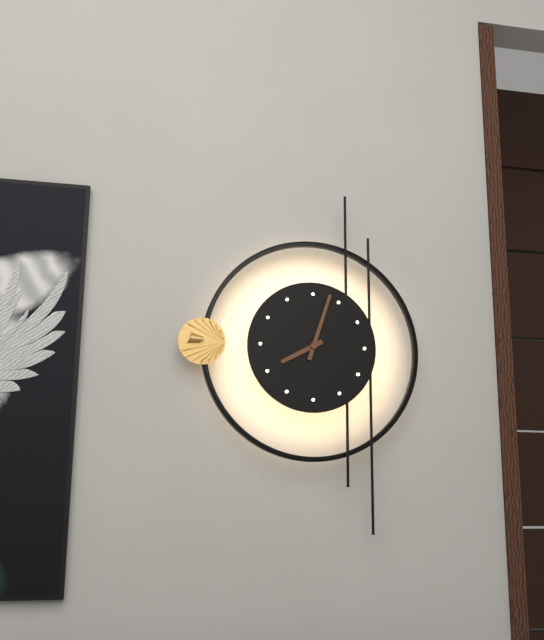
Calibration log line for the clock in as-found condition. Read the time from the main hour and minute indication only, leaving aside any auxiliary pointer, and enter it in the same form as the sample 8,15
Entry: 8,03
